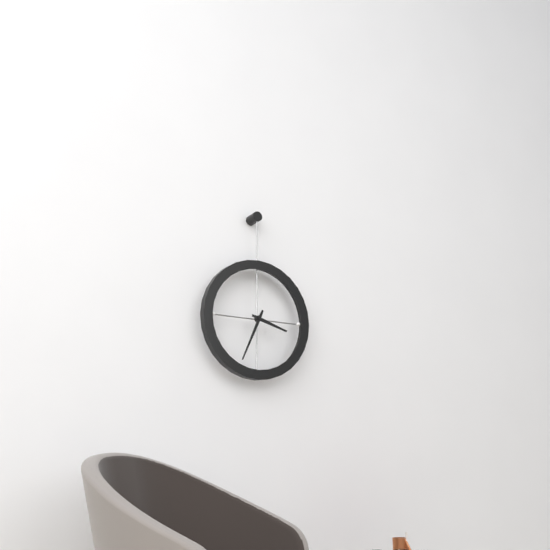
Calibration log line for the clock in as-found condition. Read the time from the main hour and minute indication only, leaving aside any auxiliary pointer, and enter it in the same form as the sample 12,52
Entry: 3,34
